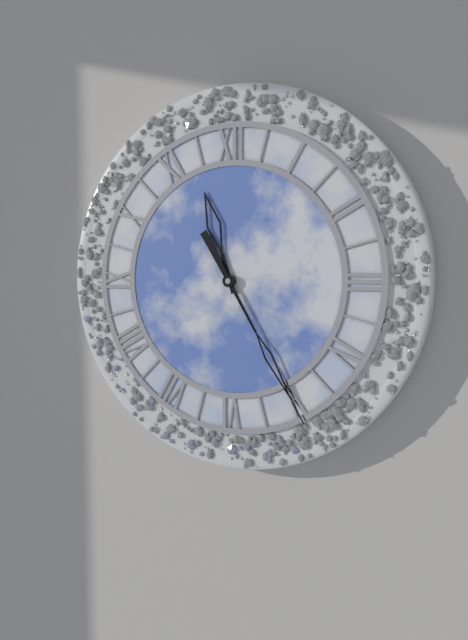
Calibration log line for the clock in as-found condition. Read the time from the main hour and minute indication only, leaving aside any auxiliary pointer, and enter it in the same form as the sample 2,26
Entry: 11,25
